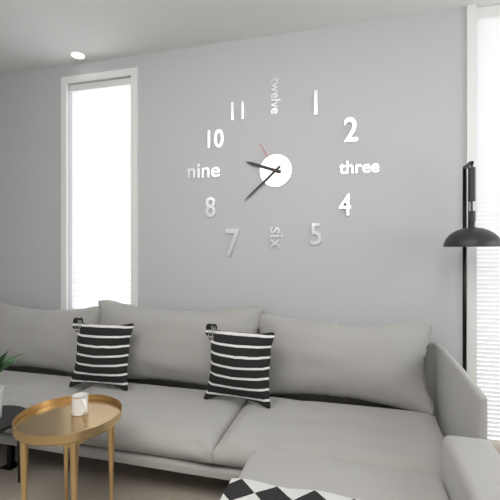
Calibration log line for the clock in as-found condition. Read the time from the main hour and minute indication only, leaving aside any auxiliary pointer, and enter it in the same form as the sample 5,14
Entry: 9,38
